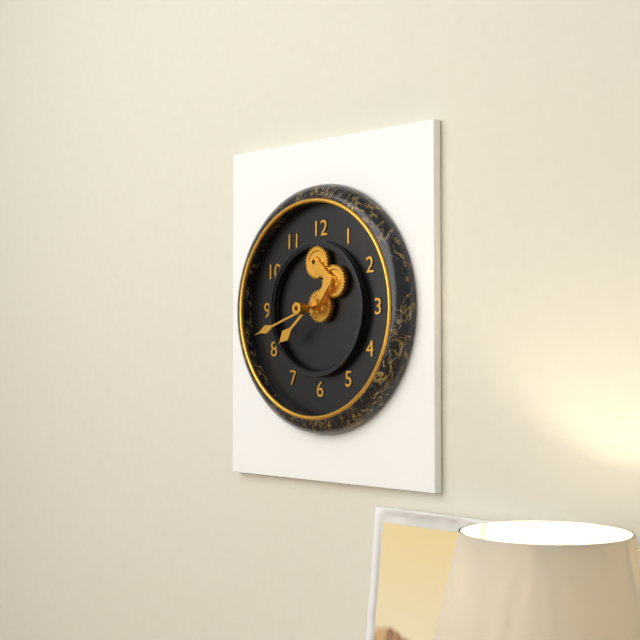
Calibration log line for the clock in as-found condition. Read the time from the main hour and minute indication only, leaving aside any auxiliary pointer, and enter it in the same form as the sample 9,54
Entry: 7,42
